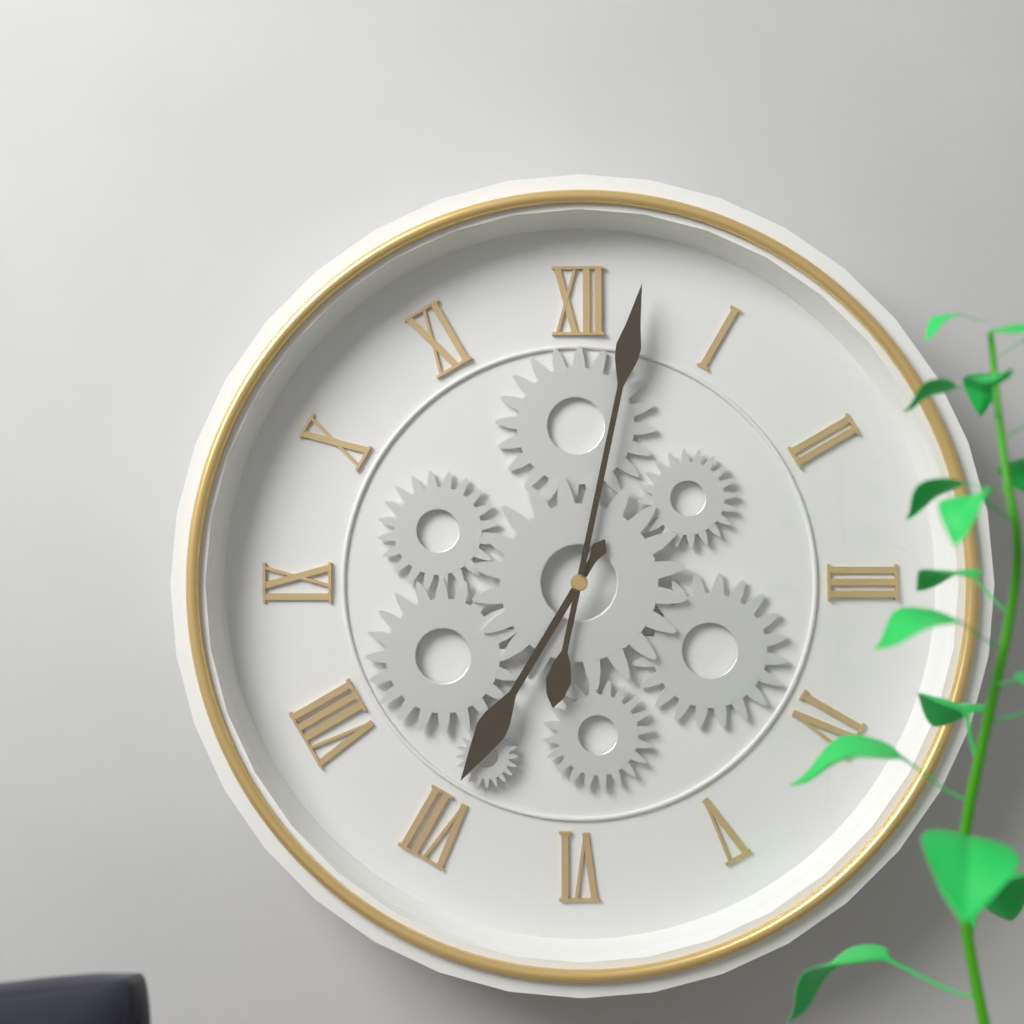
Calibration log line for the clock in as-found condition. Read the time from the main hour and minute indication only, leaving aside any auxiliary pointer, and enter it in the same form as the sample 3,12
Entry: 7,02
